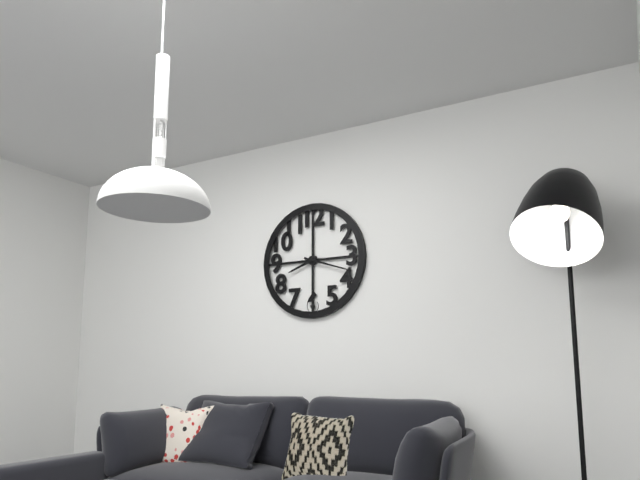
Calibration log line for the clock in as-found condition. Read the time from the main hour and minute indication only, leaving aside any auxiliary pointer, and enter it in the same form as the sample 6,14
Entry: 8,18
